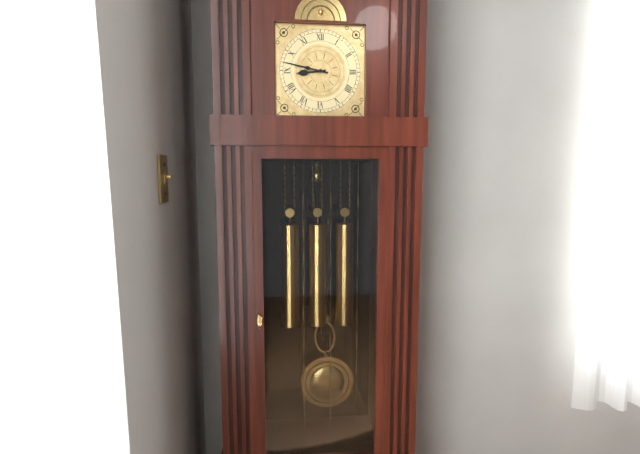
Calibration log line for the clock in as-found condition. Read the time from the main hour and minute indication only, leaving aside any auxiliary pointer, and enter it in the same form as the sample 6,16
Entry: 8,47
